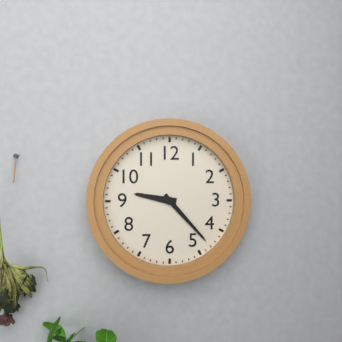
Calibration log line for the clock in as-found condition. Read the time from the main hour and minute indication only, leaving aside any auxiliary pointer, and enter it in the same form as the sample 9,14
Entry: 9,23
